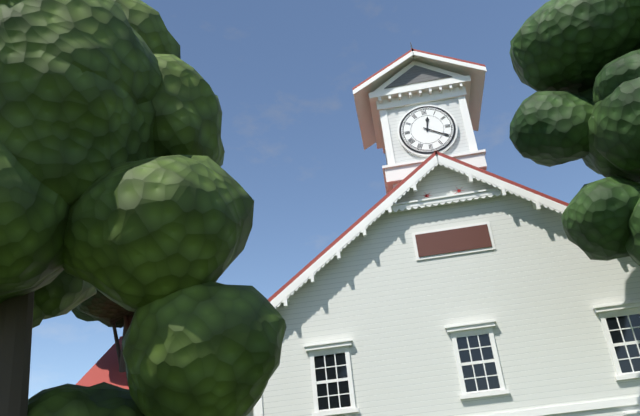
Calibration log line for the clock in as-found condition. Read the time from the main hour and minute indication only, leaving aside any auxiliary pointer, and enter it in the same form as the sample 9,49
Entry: 12,20
